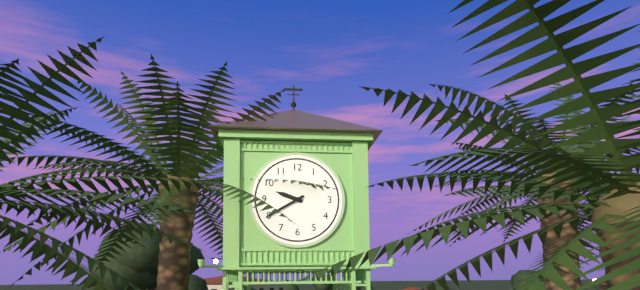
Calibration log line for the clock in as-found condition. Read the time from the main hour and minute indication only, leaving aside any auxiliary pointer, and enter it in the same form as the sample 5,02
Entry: 9,40
